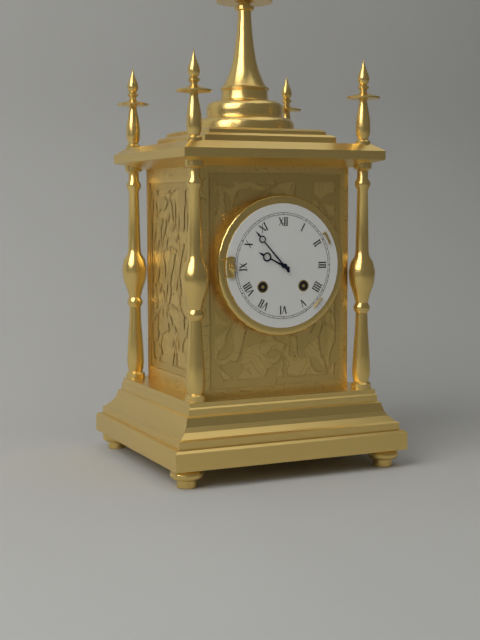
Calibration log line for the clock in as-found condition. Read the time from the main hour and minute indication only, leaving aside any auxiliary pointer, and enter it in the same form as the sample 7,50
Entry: 9,53
